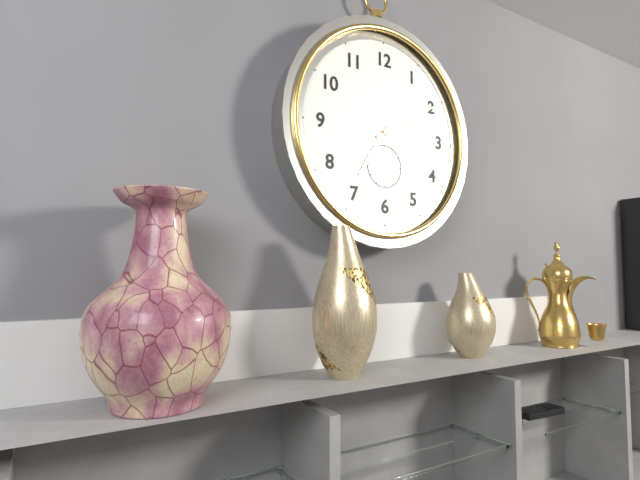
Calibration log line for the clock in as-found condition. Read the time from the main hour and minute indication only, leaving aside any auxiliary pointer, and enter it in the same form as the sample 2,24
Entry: 7,10
